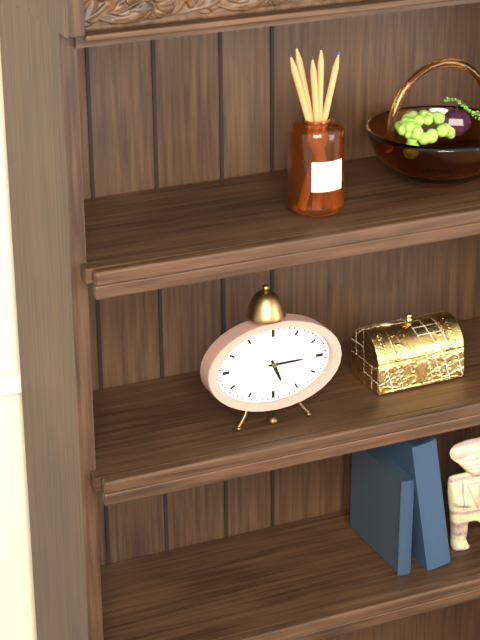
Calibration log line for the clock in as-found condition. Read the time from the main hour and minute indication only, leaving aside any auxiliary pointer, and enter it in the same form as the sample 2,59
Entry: 5,15
